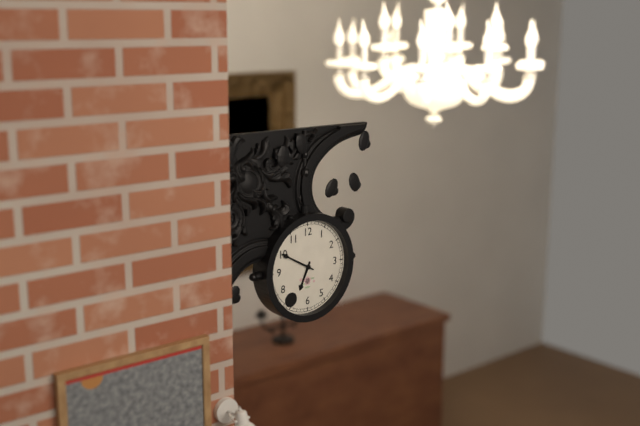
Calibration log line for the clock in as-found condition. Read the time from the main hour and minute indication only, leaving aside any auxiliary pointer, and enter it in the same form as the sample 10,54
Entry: 6,50
